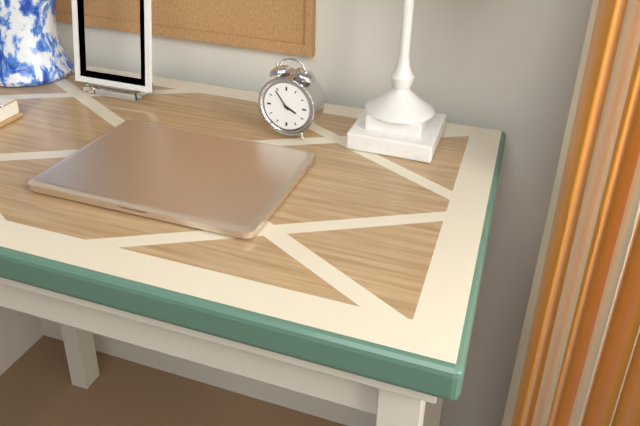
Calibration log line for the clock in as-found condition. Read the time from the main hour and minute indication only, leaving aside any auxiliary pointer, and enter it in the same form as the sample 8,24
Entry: 3,54
